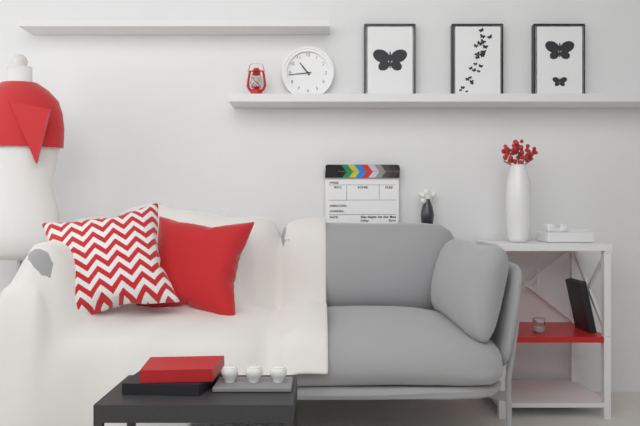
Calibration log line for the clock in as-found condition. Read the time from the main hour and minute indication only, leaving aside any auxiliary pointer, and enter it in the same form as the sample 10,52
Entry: 10,44
